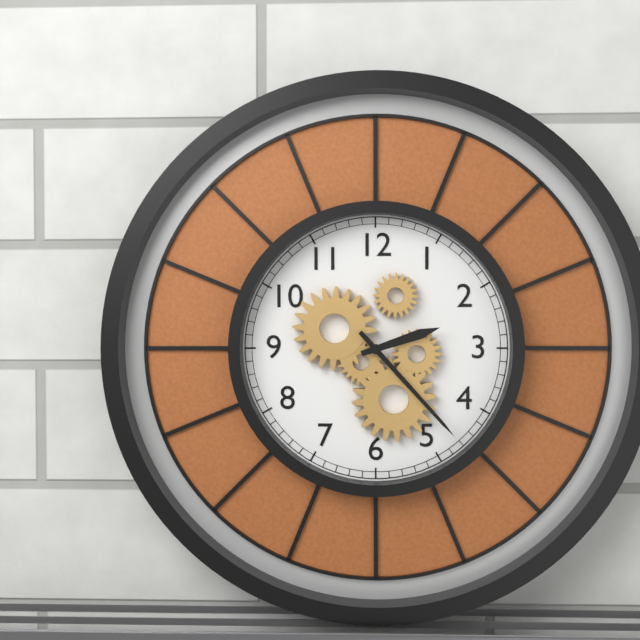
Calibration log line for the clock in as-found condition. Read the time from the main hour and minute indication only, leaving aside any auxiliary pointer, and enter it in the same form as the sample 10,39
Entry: 2,23
